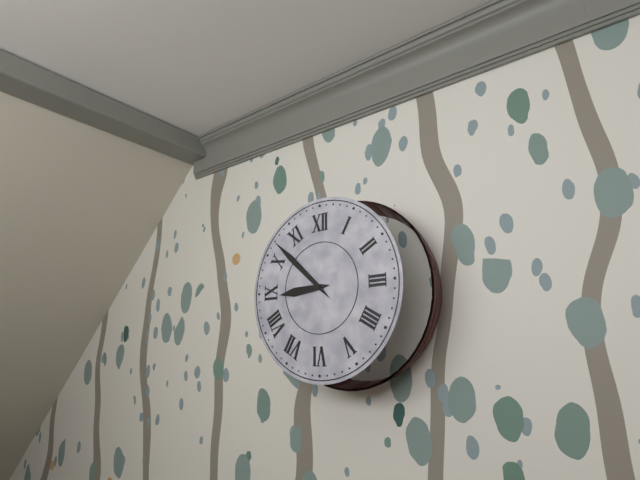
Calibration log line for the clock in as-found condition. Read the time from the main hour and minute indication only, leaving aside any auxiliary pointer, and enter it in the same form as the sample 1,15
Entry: 8,52
